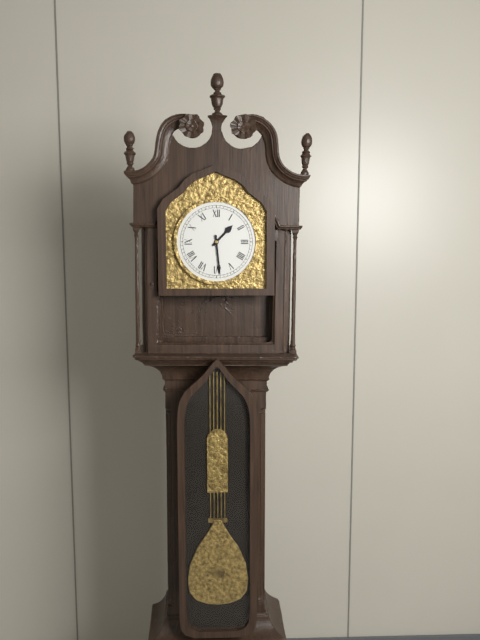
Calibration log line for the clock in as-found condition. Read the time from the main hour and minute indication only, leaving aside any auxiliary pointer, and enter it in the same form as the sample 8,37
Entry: 1,29
